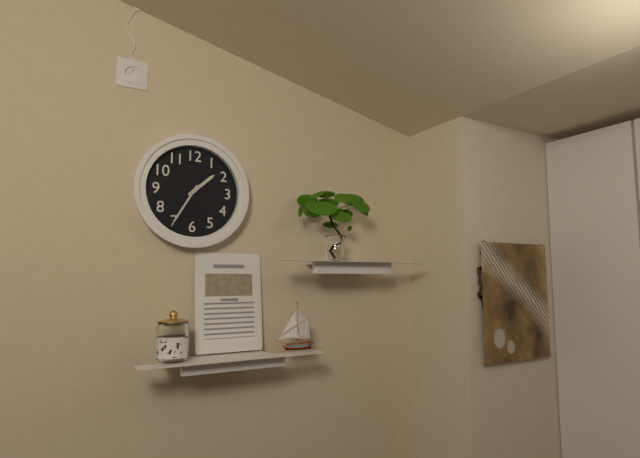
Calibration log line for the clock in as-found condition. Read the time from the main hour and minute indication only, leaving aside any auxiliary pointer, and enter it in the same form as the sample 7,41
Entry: 1,35
